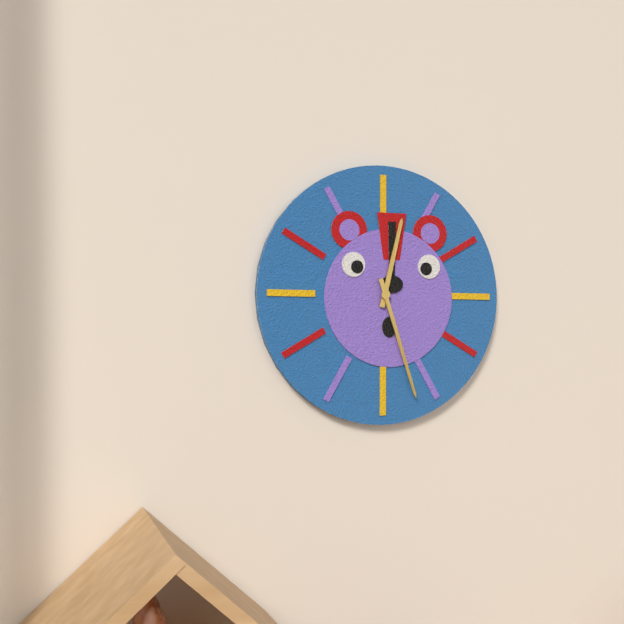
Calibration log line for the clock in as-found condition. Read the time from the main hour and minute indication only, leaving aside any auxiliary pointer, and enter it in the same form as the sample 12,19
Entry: 12,27
